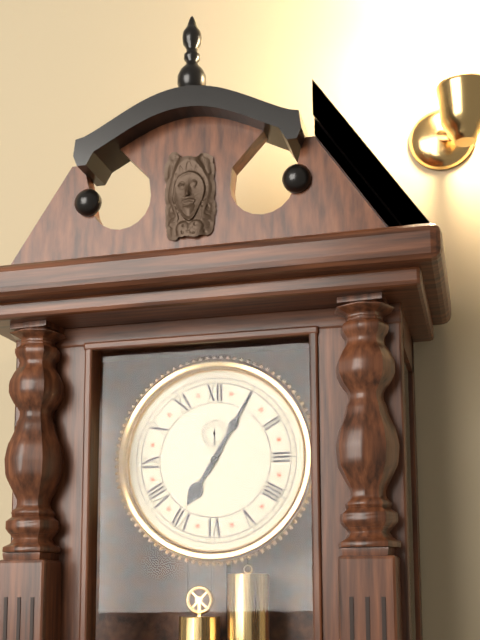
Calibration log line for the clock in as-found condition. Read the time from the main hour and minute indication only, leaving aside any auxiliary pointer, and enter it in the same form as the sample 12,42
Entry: 7,05
